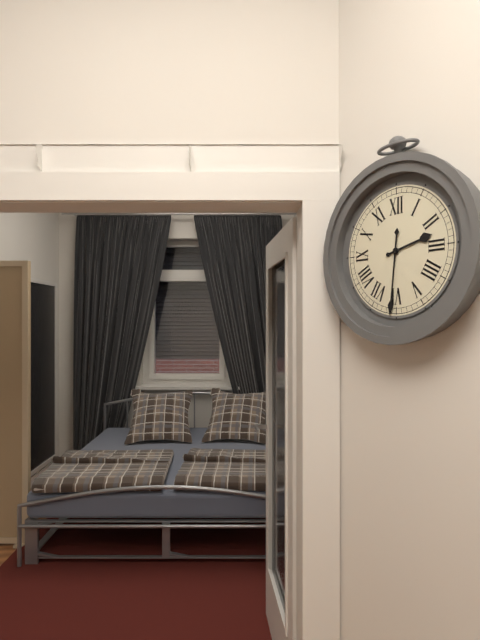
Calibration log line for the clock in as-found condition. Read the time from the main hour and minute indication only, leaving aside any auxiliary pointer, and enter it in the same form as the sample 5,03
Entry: 2,31
